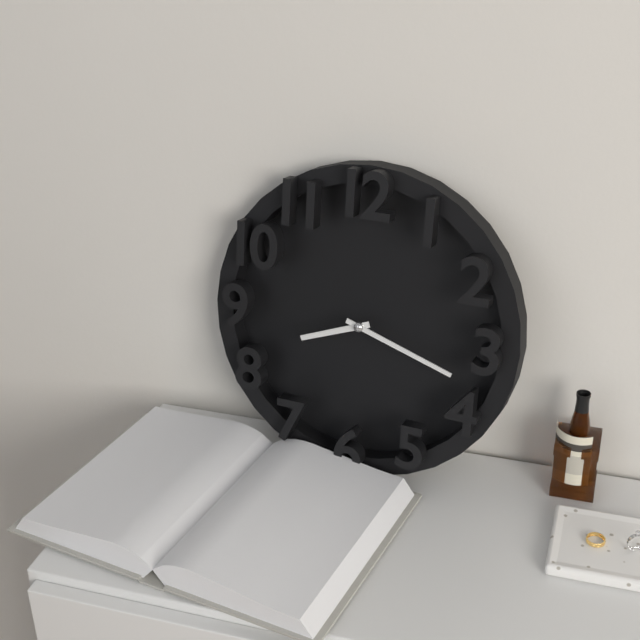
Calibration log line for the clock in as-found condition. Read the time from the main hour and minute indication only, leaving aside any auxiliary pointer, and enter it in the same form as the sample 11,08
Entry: 8,18
